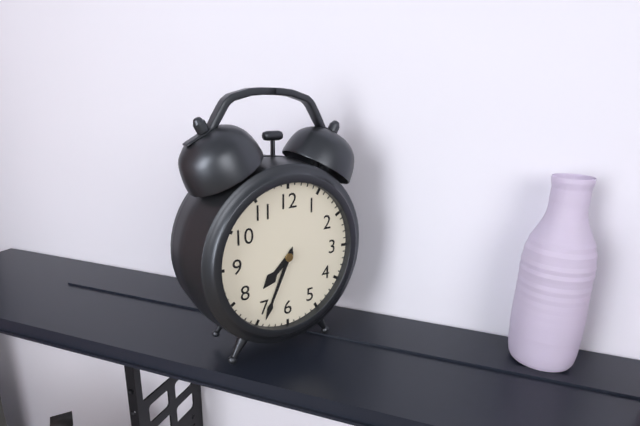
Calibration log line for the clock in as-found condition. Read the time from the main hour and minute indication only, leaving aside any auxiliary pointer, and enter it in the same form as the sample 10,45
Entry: 7,34
